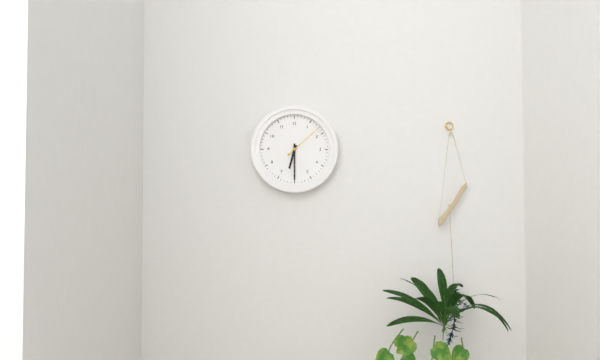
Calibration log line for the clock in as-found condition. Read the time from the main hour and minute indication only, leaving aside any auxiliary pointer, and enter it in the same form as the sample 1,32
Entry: 6,30
